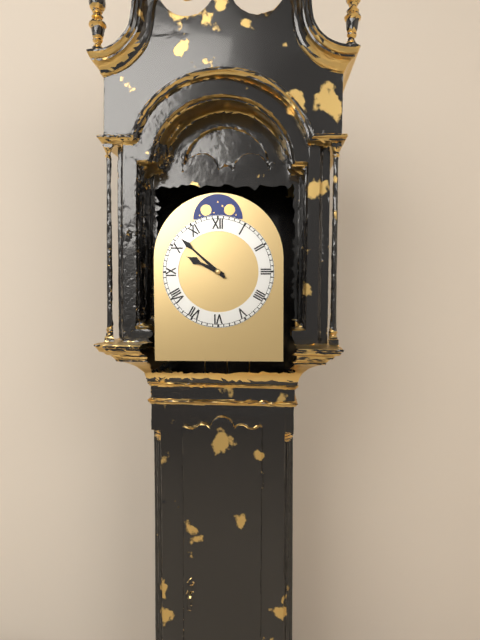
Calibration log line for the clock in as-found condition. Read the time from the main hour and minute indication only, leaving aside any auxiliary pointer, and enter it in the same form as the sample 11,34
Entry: 9,52
